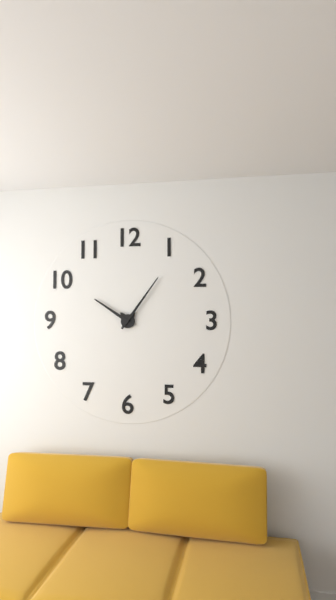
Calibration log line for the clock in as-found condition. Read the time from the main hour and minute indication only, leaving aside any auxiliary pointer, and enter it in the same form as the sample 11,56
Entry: 10,06
